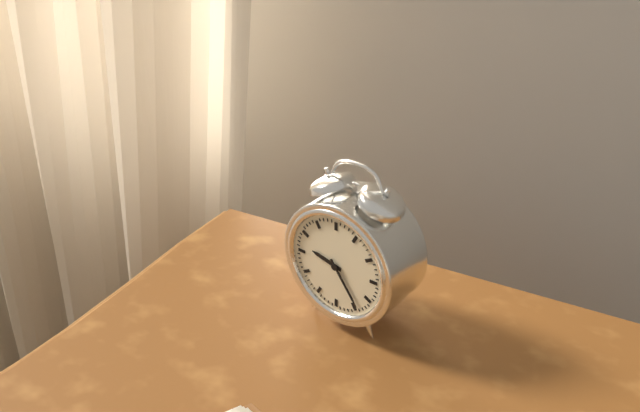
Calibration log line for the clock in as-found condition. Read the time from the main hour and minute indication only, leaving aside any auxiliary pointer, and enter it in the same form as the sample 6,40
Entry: 9,24
